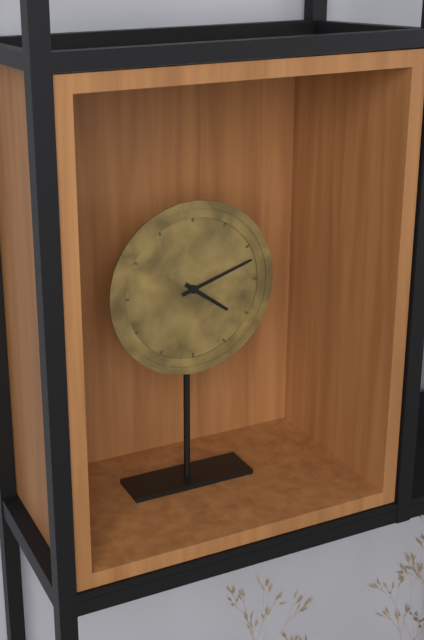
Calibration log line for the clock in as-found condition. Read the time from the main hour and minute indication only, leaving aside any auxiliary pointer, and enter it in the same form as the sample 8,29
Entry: 4,12
